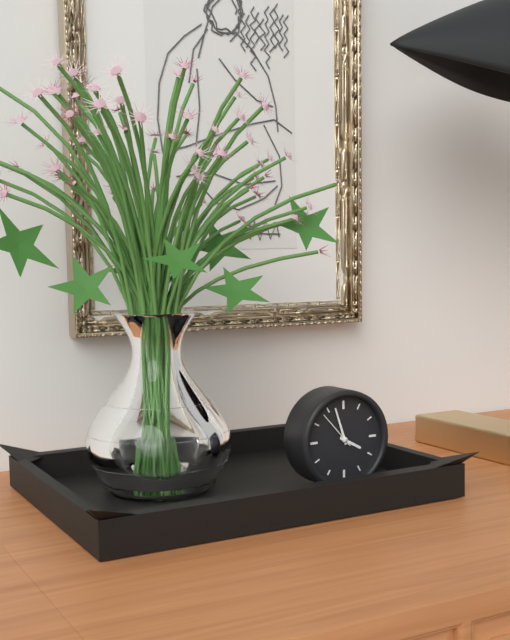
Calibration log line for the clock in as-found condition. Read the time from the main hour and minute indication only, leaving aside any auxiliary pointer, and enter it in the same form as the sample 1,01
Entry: 3,57
